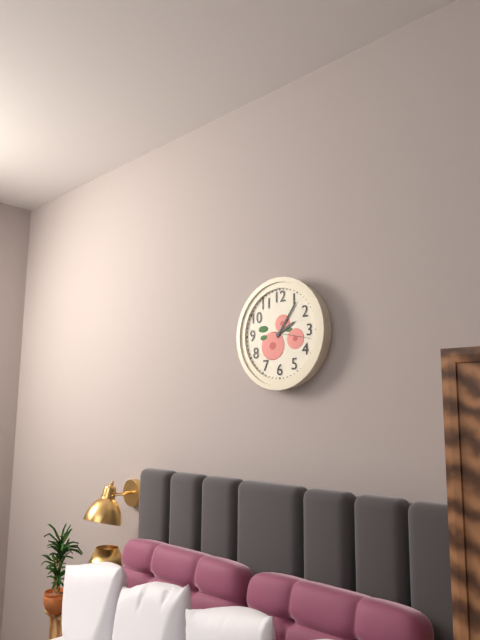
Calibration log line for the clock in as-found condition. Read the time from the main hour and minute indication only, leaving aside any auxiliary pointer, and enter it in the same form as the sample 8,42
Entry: 2,06
